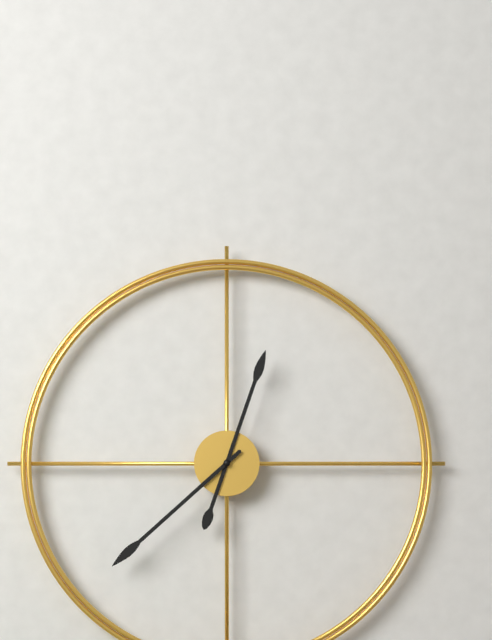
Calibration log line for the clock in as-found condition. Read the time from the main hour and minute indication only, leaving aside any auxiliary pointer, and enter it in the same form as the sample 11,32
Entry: 12,38
